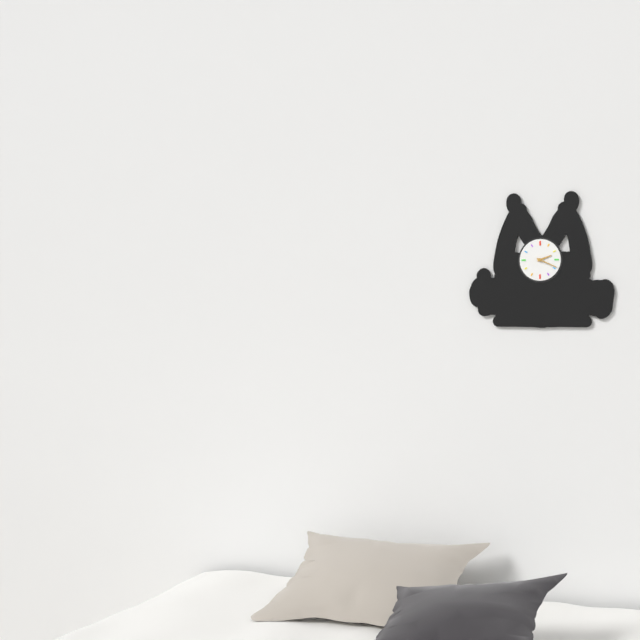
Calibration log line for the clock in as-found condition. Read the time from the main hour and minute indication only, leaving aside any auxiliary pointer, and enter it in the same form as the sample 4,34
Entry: 2,19
